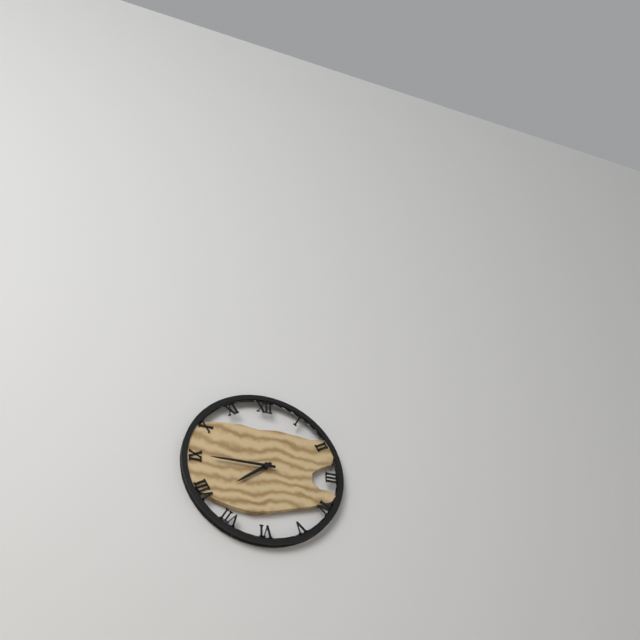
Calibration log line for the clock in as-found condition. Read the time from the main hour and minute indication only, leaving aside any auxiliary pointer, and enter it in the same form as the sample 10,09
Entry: 7,45
